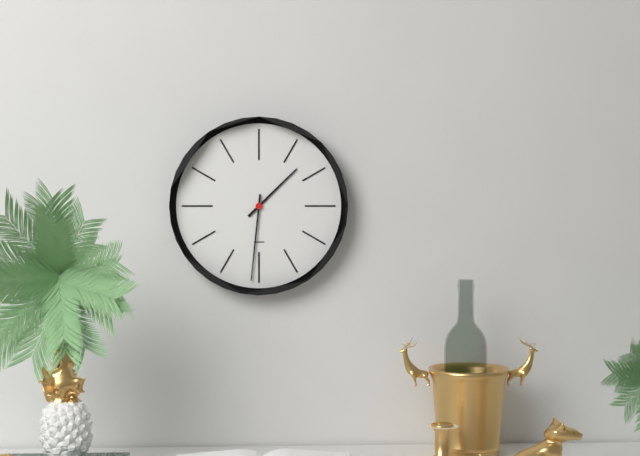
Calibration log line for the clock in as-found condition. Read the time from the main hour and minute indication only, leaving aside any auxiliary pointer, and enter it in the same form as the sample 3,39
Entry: 1,31
